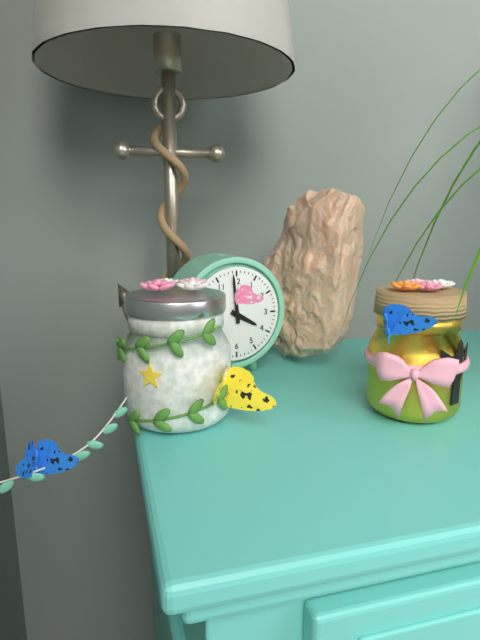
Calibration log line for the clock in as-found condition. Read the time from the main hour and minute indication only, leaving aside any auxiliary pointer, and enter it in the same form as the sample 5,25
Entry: 3,59
